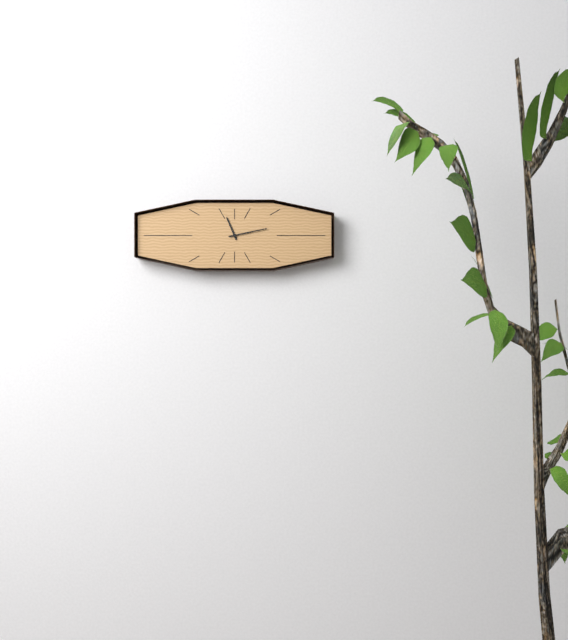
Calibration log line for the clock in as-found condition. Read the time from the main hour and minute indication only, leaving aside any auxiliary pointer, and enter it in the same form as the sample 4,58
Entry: 11,13
